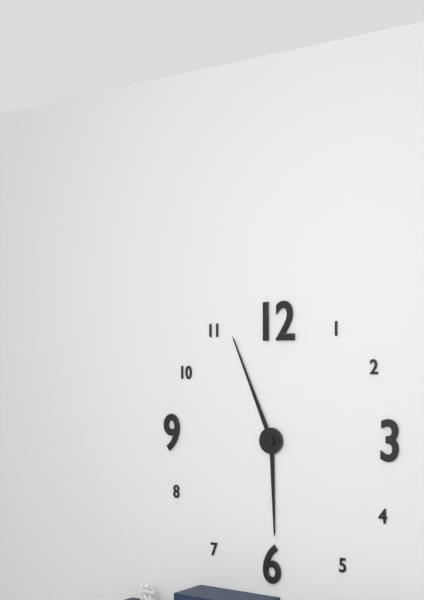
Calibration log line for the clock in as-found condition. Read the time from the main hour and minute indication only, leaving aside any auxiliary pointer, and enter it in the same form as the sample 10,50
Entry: 5,56
